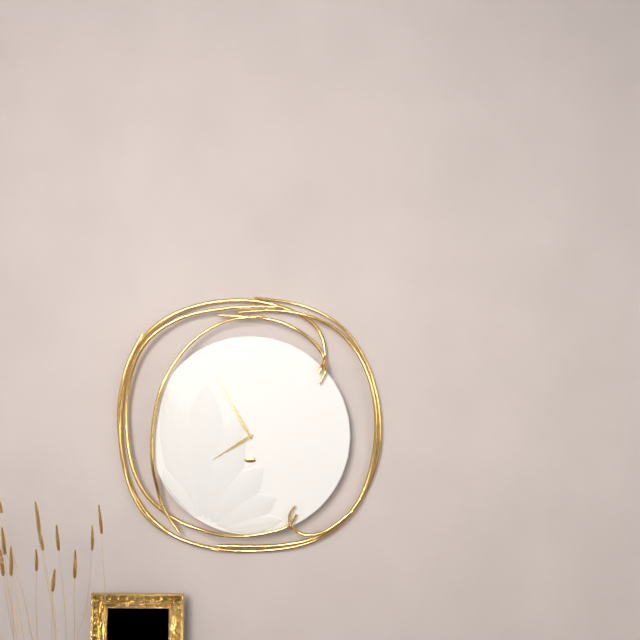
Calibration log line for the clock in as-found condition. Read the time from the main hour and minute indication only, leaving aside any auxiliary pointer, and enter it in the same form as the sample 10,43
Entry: 7,55
